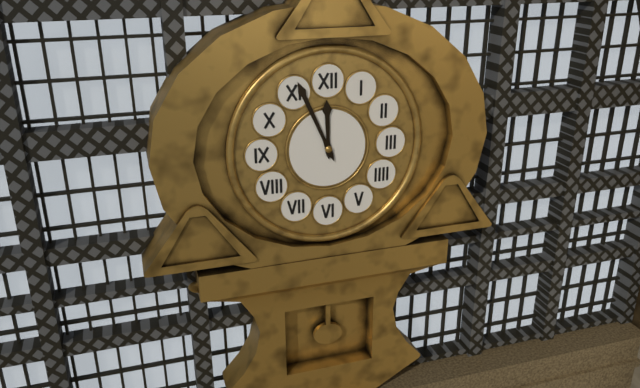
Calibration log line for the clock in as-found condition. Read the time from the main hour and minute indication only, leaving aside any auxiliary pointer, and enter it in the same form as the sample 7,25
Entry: 11,56
